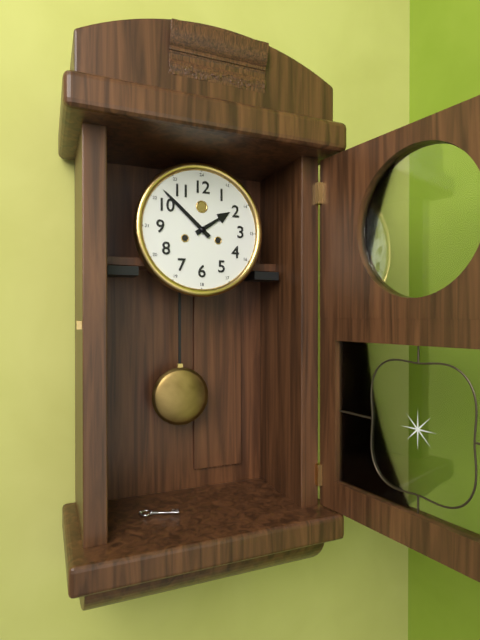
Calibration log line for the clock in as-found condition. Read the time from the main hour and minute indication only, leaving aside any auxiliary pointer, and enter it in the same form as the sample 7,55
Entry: 1,52
